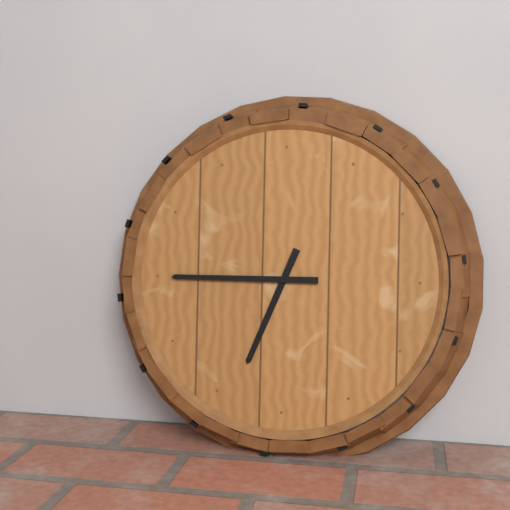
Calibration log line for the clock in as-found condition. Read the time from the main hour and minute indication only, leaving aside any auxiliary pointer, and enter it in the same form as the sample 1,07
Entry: 6,45
